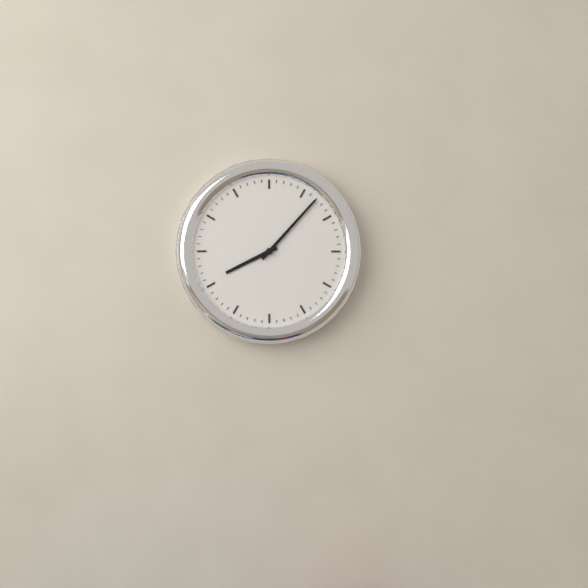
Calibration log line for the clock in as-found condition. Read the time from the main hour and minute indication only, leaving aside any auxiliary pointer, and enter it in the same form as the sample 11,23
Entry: 8,07
